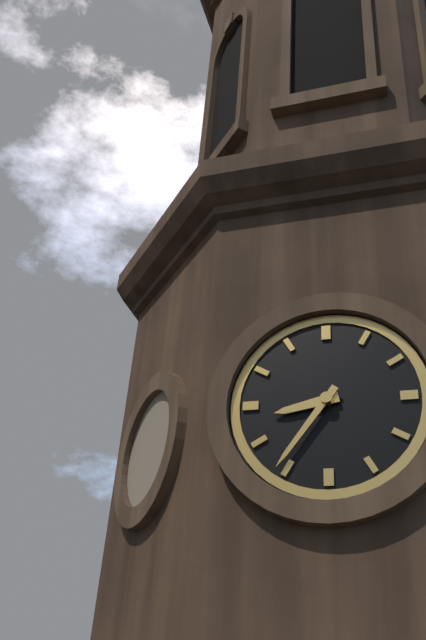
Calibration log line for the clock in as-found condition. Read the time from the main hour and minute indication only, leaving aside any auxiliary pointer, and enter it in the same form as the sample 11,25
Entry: 8,36
